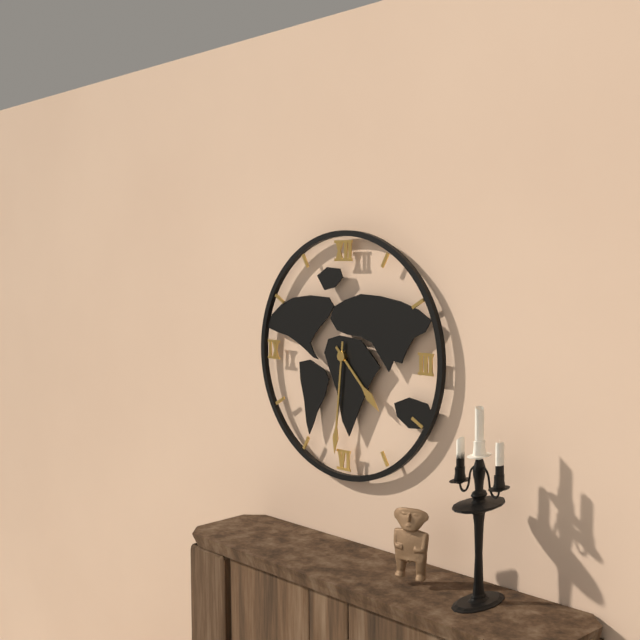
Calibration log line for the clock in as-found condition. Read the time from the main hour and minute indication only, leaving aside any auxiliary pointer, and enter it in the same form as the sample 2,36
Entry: 4,31
